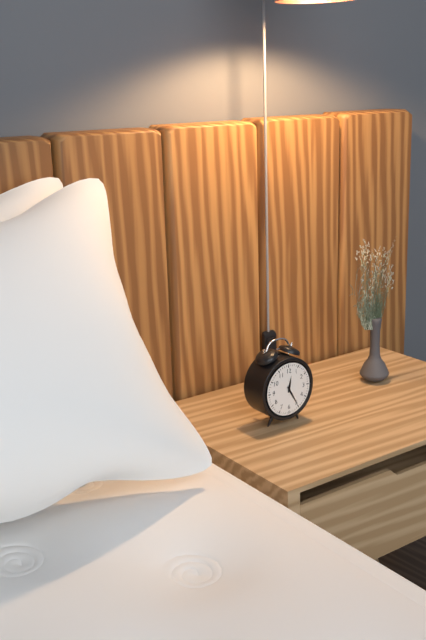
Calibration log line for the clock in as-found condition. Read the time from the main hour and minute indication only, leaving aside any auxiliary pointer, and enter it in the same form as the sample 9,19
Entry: 12,25
